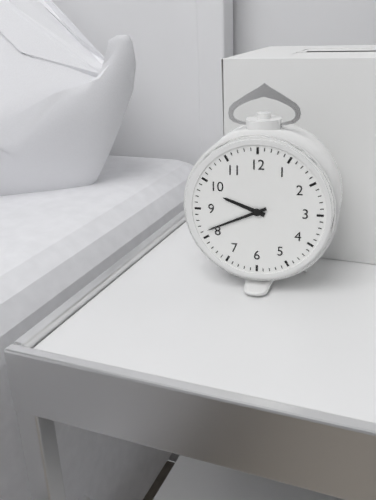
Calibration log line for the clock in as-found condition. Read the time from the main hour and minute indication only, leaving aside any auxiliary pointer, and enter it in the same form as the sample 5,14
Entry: 9,41
